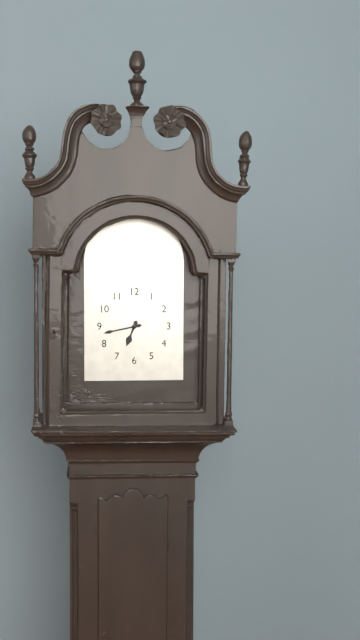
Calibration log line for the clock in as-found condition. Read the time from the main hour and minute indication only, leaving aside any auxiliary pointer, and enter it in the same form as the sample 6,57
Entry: 6,43
